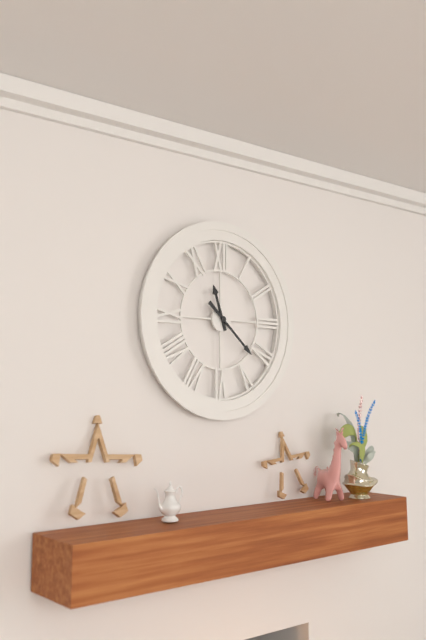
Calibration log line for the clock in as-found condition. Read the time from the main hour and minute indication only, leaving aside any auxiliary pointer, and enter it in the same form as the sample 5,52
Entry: 11,22
